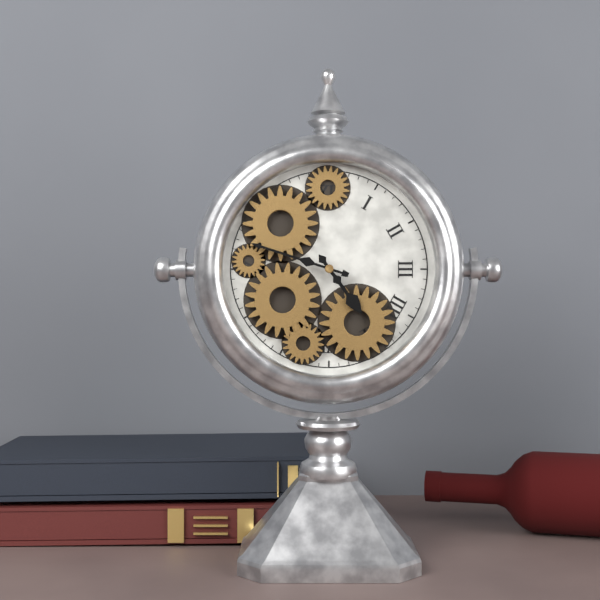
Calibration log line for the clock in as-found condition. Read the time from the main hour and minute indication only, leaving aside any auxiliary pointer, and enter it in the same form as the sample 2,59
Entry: 4,48
